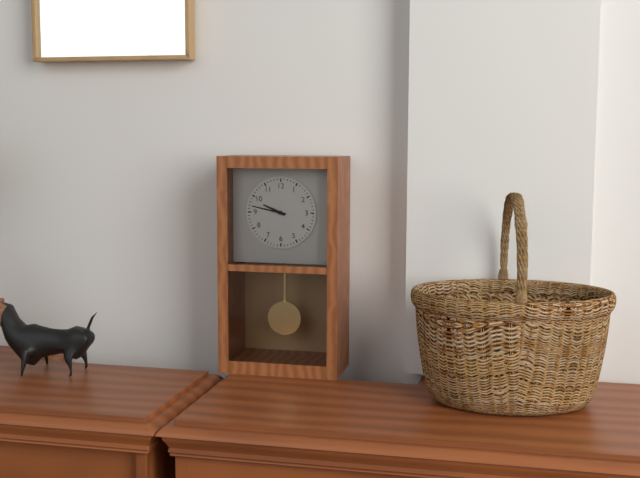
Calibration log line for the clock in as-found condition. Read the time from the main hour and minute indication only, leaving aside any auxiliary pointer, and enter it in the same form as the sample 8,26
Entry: 9,47
